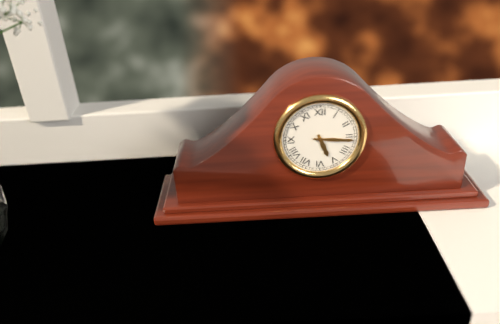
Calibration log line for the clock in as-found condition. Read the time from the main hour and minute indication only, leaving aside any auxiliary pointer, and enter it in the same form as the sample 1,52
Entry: 5,16
